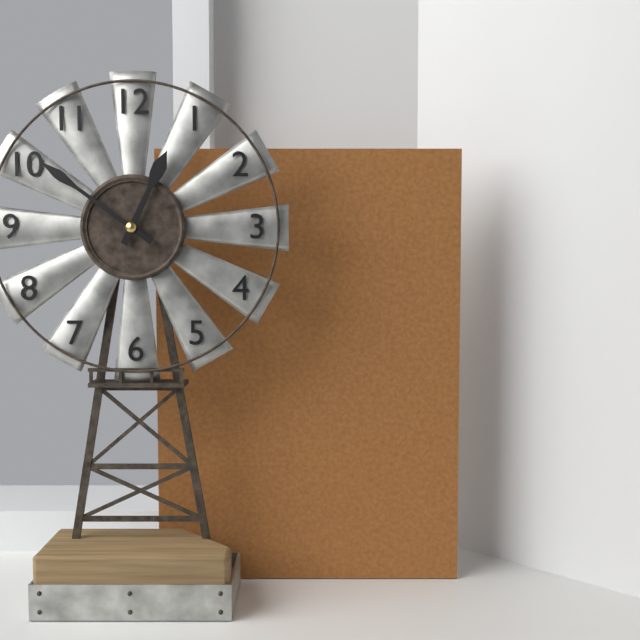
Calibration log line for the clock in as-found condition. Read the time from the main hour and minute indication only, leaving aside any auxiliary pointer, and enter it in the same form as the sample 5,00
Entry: 12,51
